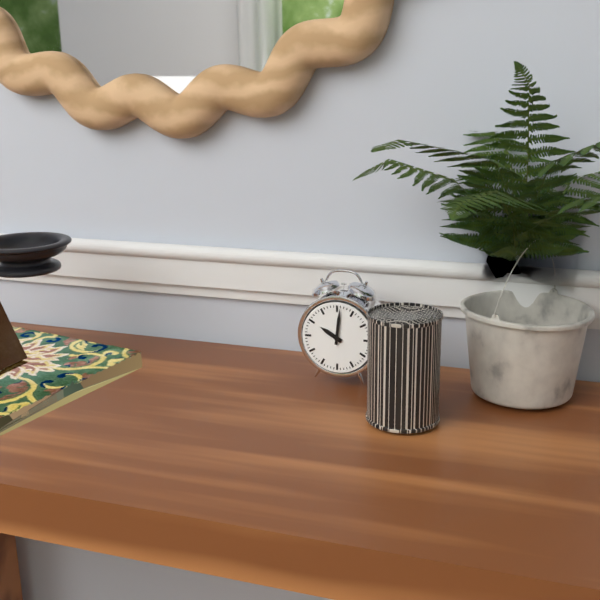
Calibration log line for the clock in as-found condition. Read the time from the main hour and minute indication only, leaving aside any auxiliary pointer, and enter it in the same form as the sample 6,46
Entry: 10,01
